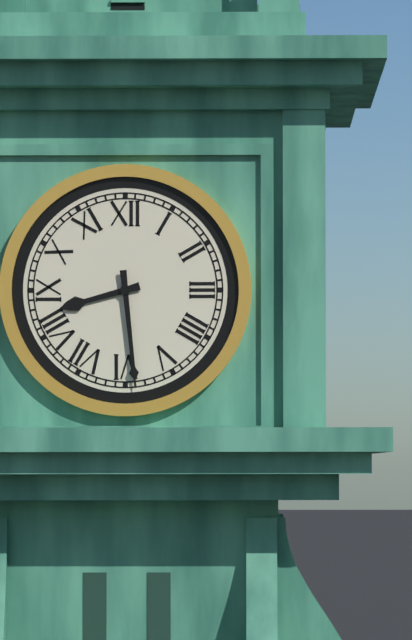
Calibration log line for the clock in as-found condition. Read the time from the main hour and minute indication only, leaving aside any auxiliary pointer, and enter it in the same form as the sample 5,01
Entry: 8,29
